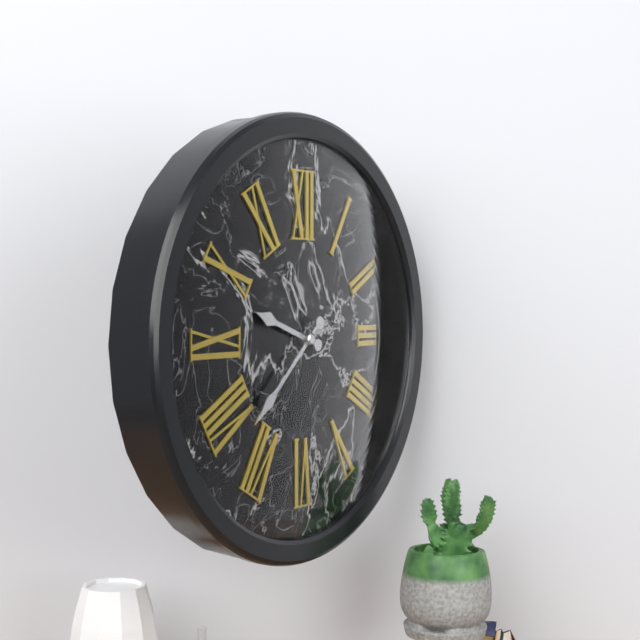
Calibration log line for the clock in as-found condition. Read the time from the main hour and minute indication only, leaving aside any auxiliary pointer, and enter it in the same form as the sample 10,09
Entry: 9,38
